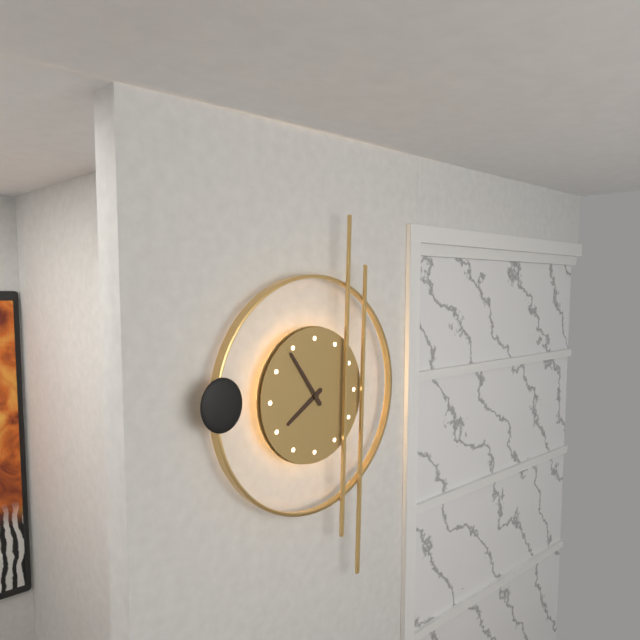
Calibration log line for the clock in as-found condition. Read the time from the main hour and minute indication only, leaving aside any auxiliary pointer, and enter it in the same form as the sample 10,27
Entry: 7,54
